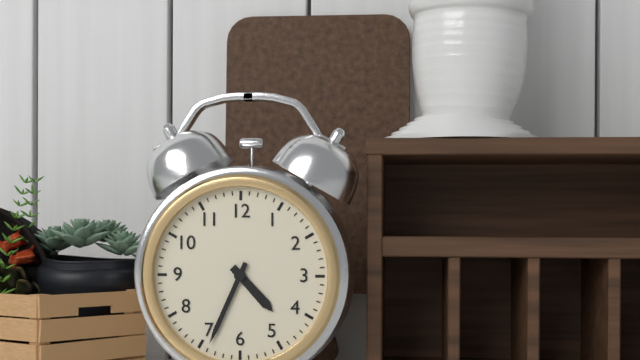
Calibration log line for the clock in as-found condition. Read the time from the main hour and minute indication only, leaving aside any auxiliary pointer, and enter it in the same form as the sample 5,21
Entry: 4,34
